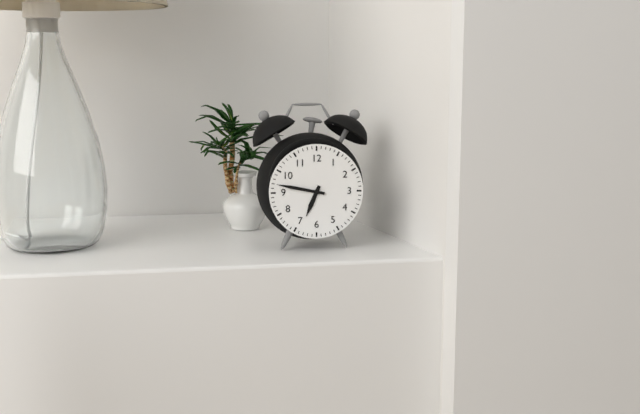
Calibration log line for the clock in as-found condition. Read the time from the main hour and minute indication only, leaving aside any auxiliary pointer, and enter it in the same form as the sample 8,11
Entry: 6,47
